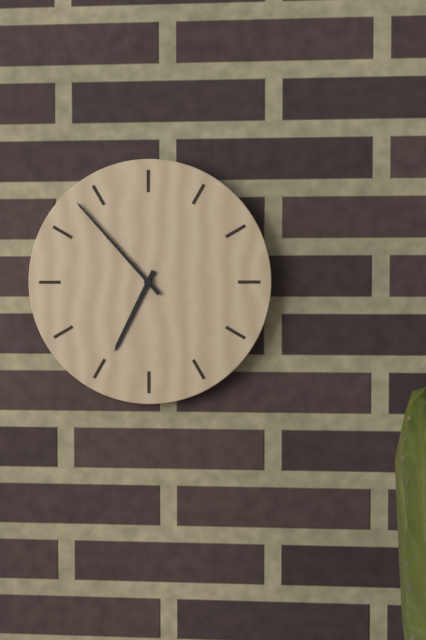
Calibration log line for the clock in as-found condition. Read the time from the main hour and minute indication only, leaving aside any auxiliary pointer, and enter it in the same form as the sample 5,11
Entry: 6,53
